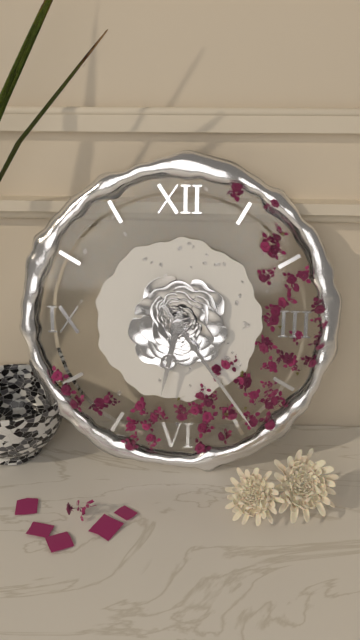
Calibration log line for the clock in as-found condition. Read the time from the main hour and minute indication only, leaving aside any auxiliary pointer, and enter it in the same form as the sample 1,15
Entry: 6,24
